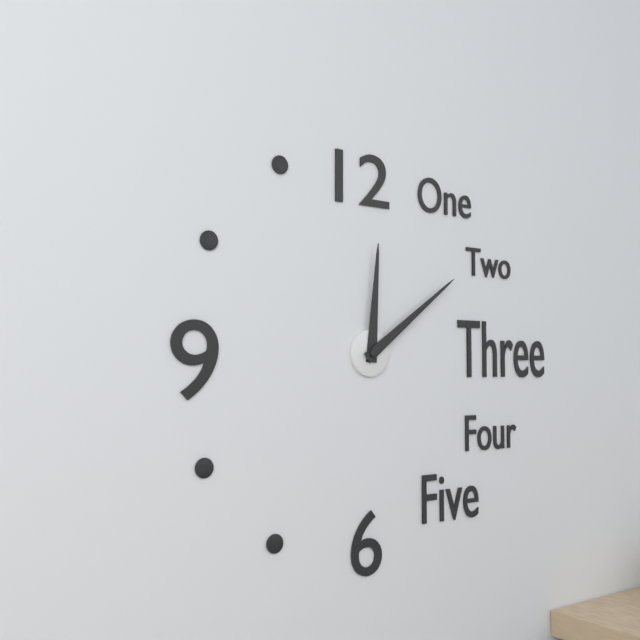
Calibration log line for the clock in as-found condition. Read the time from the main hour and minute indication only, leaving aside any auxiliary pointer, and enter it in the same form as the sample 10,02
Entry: 12,09
